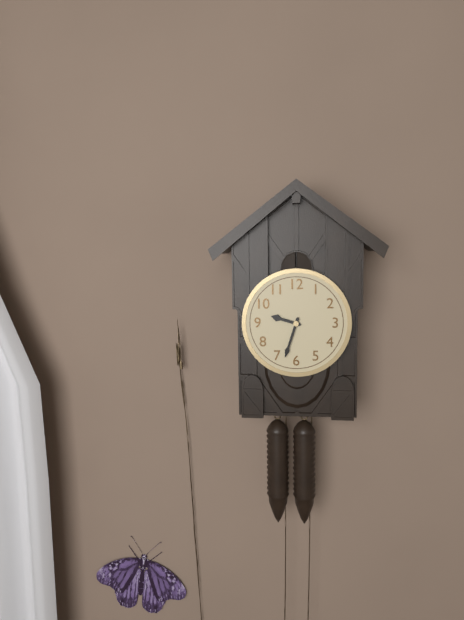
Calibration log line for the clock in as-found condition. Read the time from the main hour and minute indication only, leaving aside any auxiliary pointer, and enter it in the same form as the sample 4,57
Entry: 9,33
